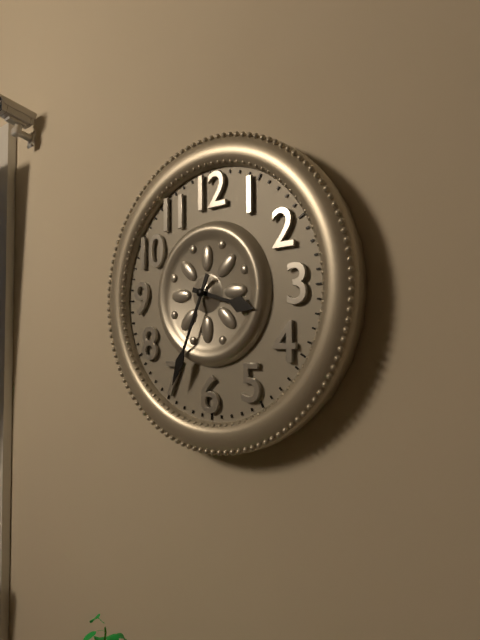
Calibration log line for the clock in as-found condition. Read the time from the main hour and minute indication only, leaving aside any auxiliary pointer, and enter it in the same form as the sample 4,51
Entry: 3,34
